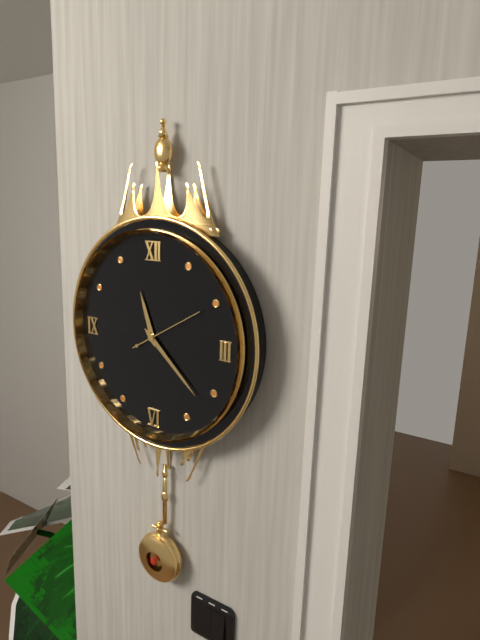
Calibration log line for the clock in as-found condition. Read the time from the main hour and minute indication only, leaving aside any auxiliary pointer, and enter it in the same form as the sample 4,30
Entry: 11,22
